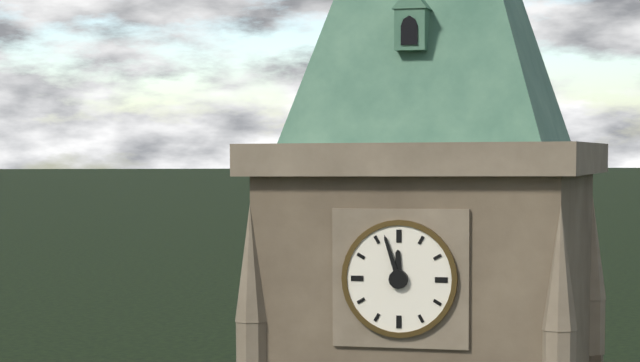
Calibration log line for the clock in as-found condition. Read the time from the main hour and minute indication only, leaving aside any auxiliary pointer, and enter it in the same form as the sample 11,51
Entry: 11,57
